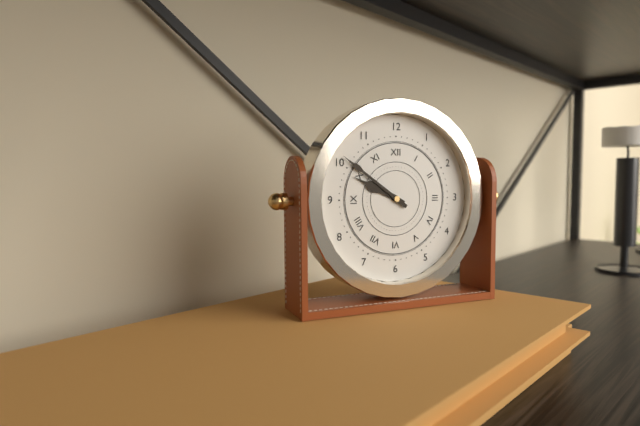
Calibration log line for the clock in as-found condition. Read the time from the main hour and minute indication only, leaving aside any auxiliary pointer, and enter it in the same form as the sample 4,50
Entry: 9,51
